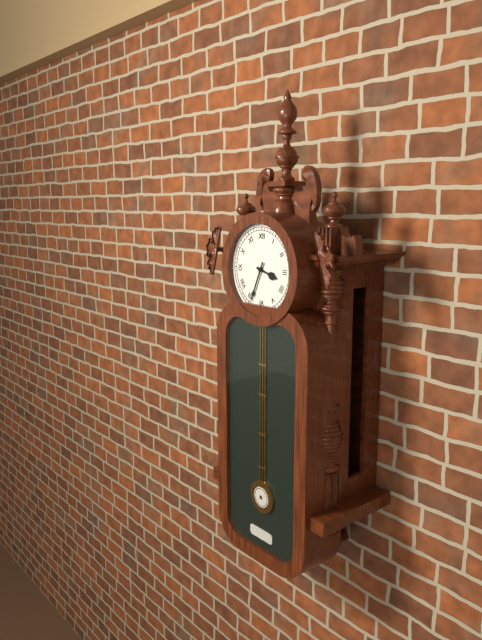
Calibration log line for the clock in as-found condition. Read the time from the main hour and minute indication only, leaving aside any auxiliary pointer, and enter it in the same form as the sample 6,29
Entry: 3,34
